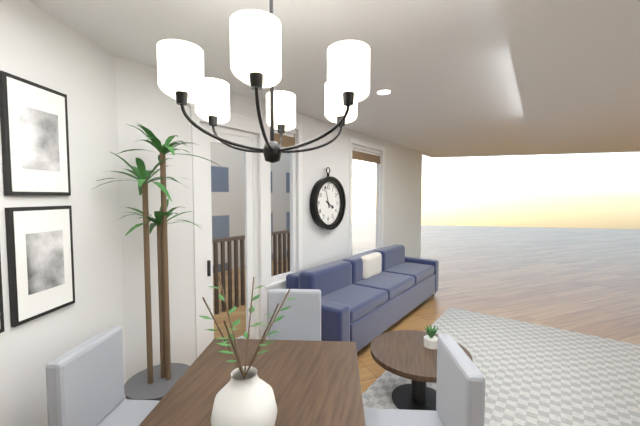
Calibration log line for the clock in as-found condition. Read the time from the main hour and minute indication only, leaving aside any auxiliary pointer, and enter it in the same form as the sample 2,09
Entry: 3,57
